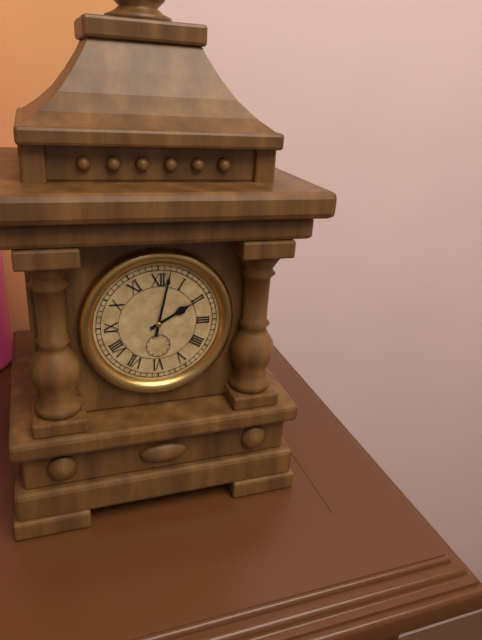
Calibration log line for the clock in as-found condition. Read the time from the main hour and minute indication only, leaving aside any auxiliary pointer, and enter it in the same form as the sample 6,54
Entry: 2,02
